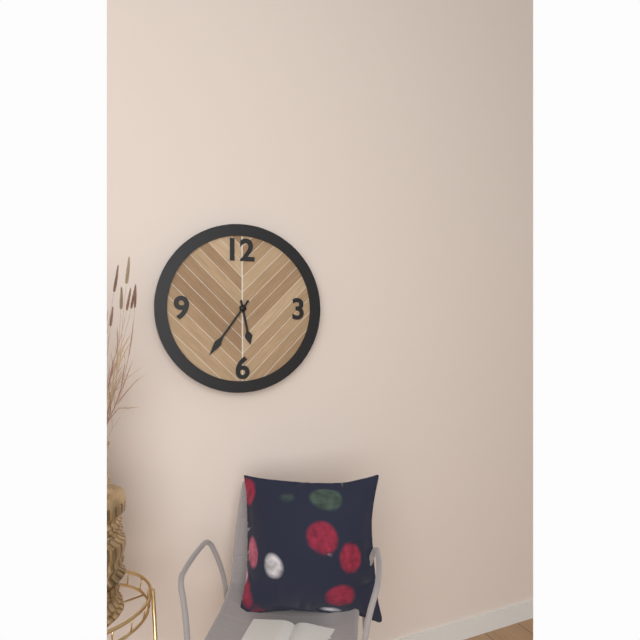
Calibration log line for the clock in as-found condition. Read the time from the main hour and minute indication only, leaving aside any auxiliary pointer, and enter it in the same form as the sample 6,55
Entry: 5,36
